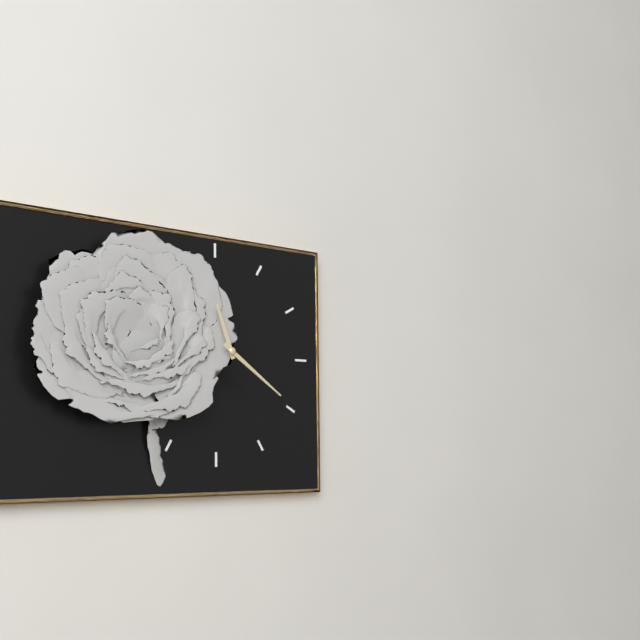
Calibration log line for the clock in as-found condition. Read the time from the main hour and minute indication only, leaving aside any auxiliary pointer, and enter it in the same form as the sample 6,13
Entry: 11,21
